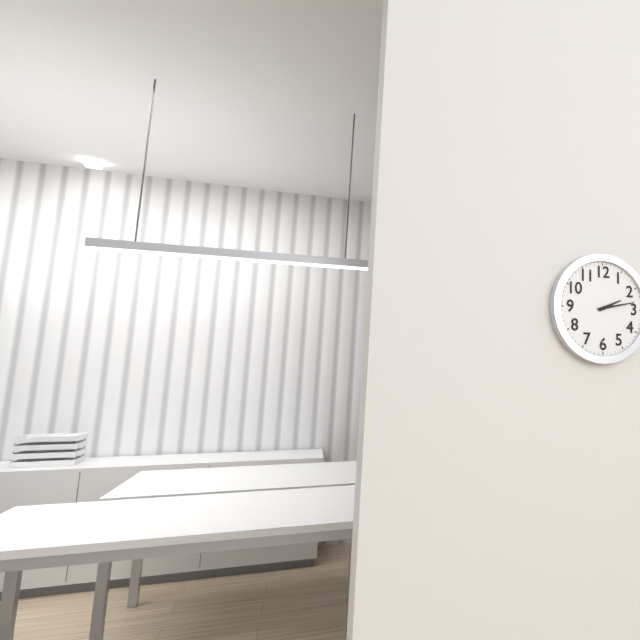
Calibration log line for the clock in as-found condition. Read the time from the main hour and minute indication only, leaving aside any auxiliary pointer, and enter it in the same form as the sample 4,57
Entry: 2,13
